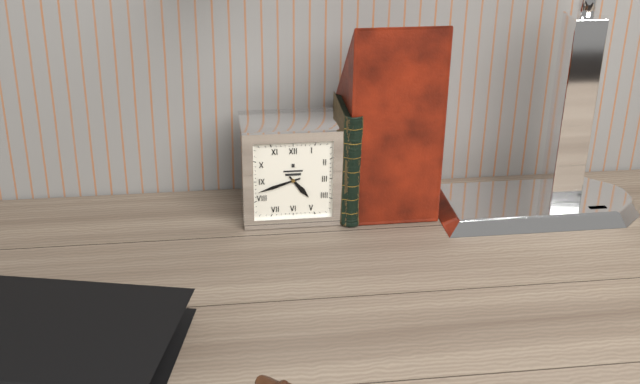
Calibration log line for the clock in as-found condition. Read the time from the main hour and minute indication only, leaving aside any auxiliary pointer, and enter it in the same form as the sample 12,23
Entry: 4,42
